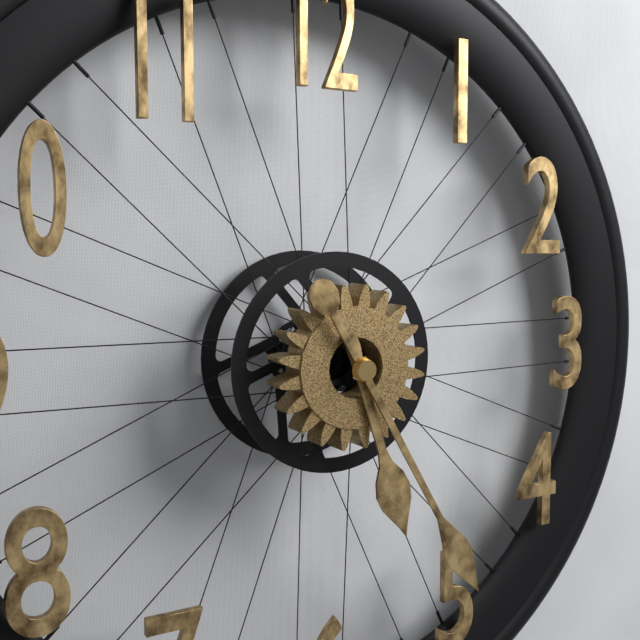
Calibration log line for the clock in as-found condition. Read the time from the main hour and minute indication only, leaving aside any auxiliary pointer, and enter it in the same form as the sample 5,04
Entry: 5,25
